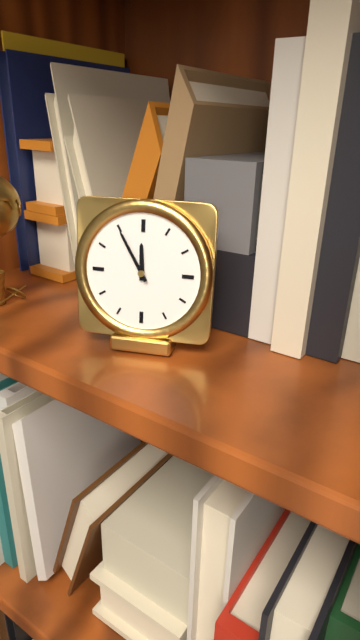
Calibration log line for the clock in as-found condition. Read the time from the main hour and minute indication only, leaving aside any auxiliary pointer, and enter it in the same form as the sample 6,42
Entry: 11,55
